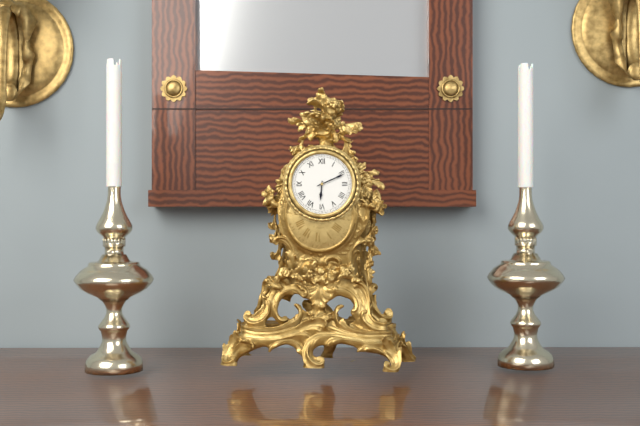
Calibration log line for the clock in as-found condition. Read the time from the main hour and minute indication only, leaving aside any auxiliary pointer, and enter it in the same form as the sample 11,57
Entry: 6,11
